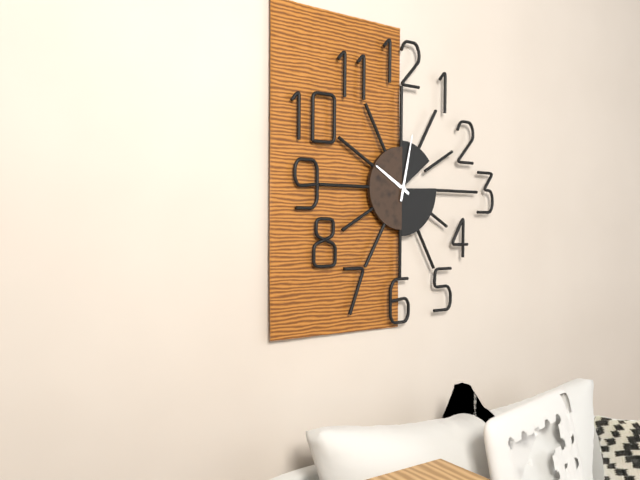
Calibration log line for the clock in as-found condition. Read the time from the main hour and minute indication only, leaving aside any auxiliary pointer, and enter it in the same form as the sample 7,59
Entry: 10,02
